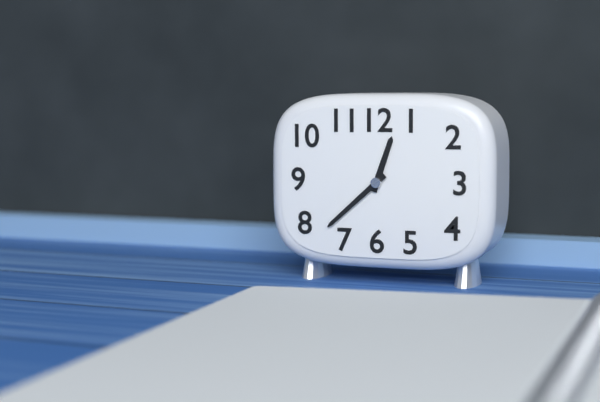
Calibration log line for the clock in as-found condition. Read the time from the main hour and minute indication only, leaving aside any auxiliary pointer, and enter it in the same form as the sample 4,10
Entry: 12,38
